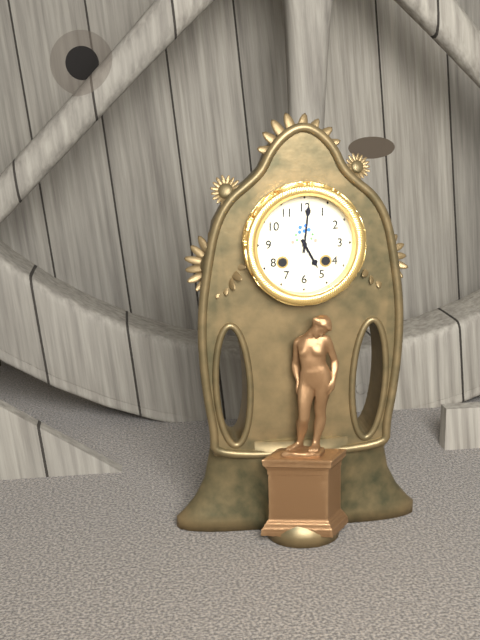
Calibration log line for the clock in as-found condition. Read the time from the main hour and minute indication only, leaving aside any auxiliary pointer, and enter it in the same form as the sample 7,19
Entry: 5,01
